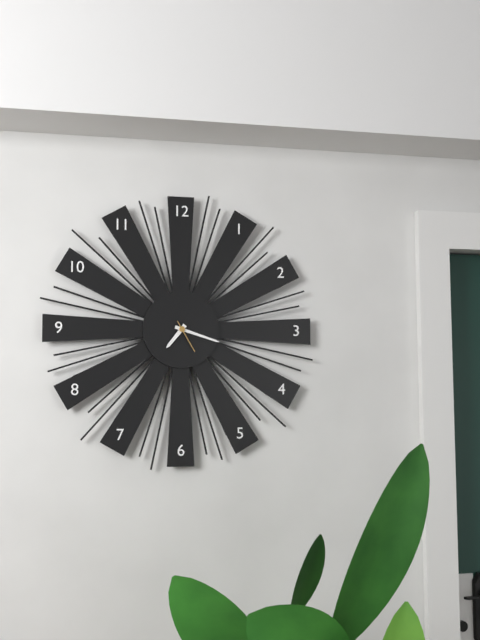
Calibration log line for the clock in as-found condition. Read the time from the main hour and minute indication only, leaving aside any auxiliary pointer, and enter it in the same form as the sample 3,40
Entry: 7,18
